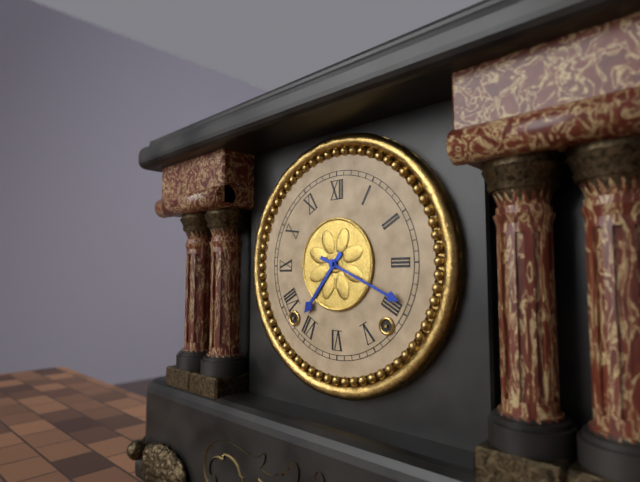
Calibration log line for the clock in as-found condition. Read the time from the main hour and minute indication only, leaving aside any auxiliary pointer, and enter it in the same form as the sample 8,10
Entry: 7,19
